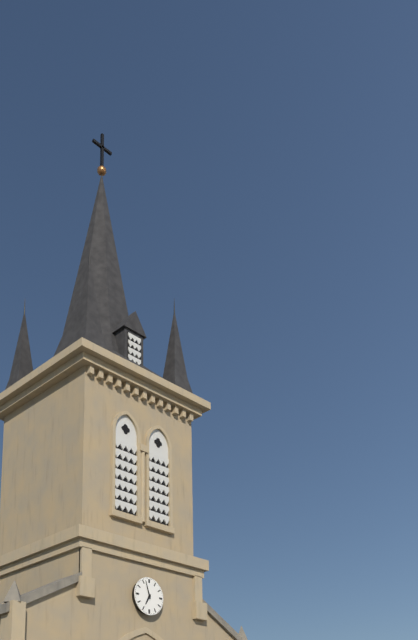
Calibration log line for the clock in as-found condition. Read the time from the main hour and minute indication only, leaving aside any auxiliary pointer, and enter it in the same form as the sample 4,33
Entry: 6,57
